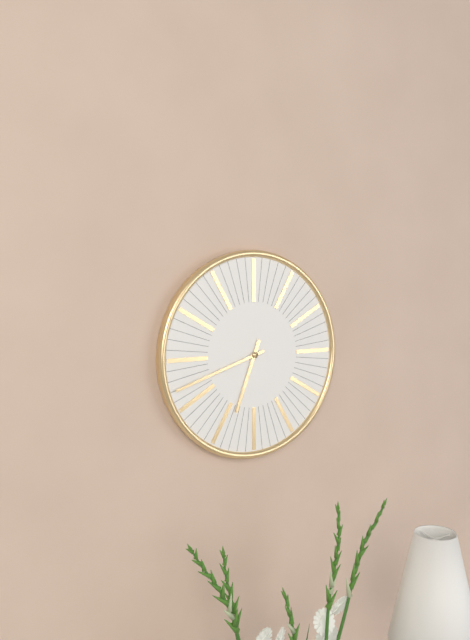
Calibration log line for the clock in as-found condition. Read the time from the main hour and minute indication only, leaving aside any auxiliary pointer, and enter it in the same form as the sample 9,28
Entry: 6,42
